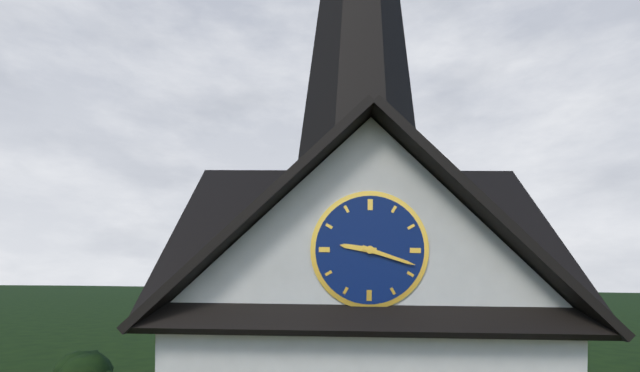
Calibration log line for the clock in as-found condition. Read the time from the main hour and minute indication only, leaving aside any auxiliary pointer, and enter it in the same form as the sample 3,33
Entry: 9,18
